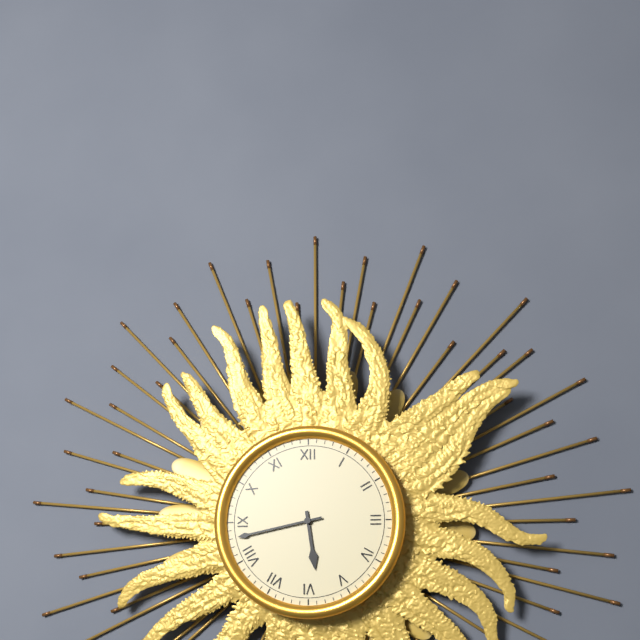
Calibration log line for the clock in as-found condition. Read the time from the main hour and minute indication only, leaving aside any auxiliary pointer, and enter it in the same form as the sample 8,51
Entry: 5,43
